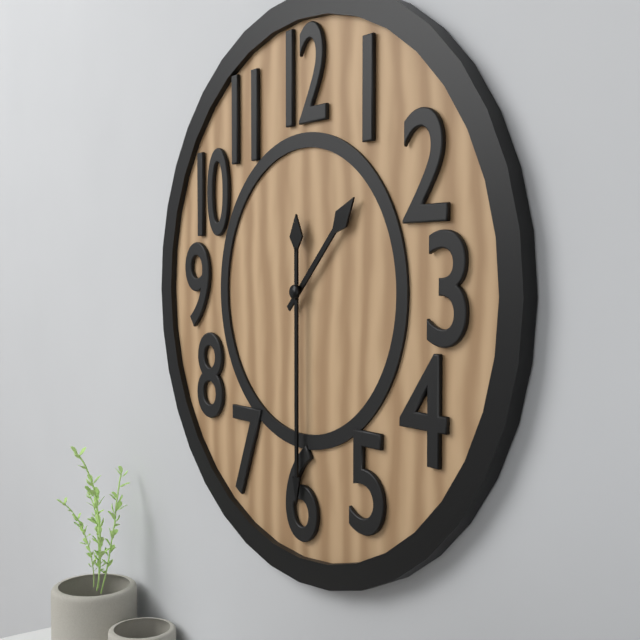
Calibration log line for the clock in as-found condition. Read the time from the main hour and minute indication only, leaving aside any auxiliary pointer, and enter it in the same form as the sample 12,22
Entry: 1,30
